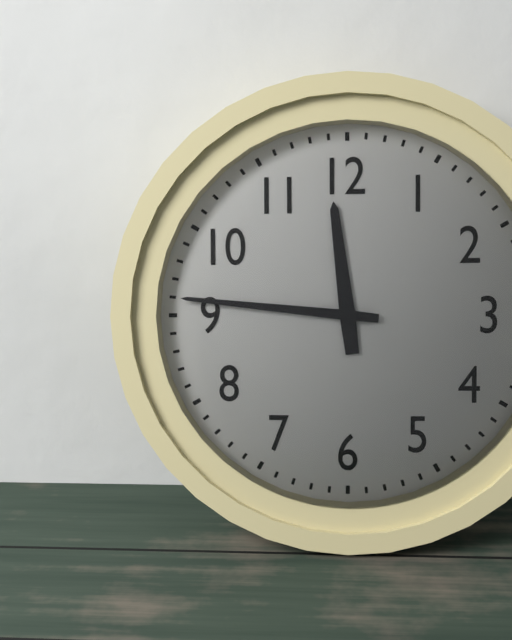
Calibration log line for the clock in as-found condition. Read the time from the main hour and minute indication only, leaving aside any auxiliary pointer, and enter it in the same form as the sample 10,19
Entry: 11,46
